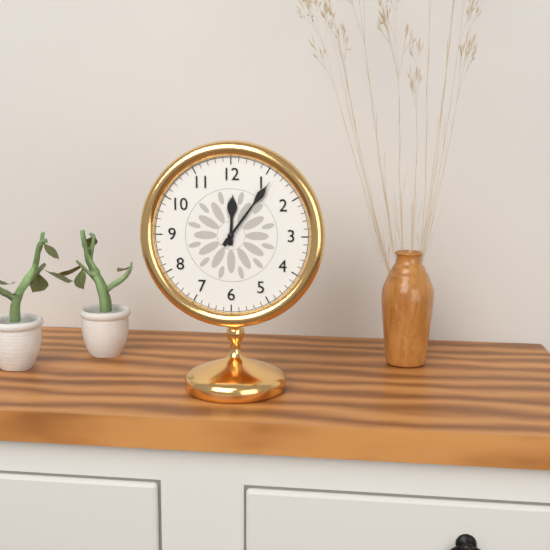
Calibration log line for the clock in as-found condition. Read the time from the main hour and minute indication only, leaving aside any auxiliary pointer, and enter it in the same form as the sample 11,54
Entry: 12,06
